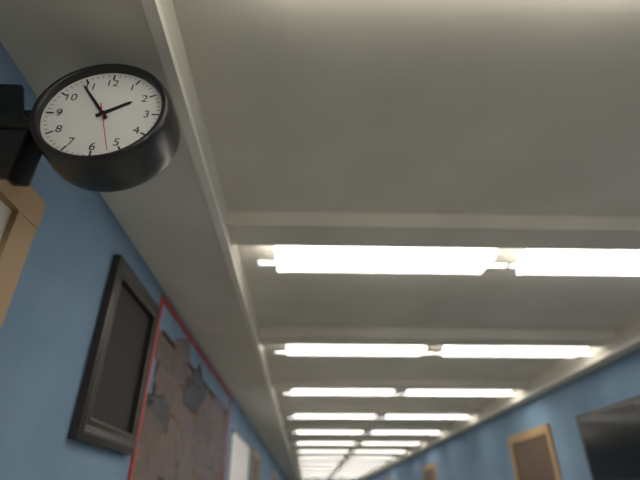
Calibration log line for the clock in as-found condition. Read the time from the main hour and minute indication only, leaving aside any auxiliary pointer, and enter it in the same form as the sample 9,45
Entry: 1,54
